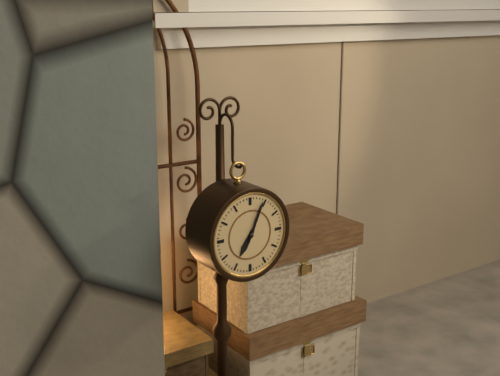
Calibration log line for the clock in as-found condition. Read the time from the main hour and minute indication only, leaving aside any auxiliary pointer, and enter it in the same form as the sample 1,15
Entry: 7,04
